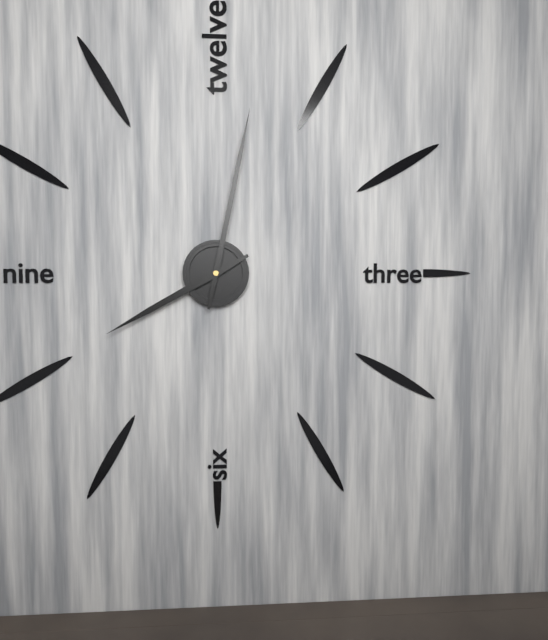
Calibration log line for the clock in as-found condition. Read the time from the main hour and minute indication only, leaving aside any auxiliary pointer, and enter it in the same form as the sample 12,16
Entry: 8,02
